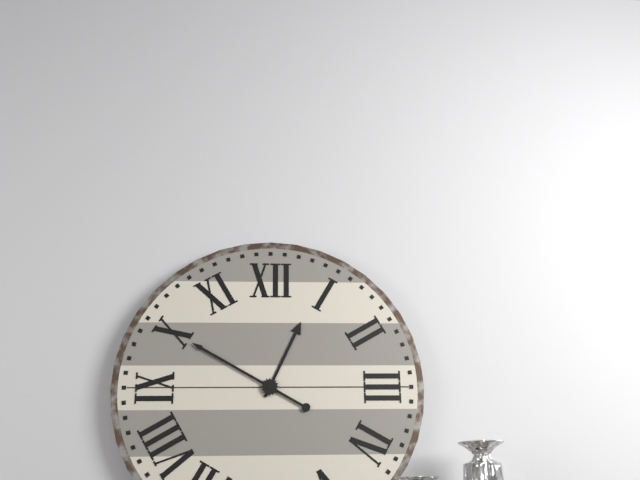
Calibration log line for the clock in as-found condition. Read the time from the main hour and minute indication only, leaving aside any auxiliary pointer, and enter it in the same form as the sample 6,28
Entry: 12,50
